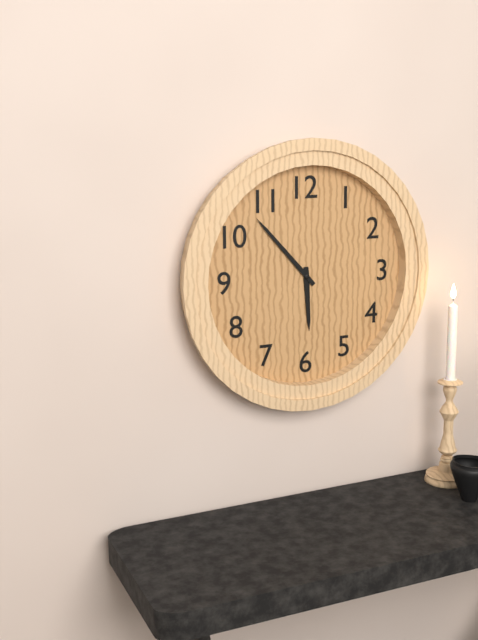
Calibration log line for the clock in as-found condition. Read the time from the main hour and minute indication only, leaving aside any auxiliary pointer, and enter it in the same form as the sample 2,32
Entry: 5,53
